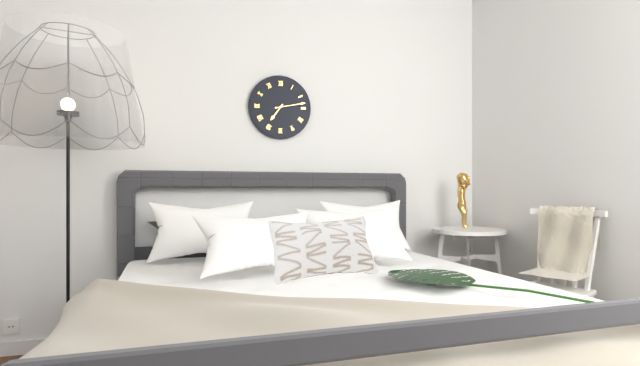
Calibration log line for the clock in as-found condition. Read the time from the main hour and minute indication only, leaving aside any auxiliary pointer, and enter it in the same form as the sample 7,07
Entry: 7,13
